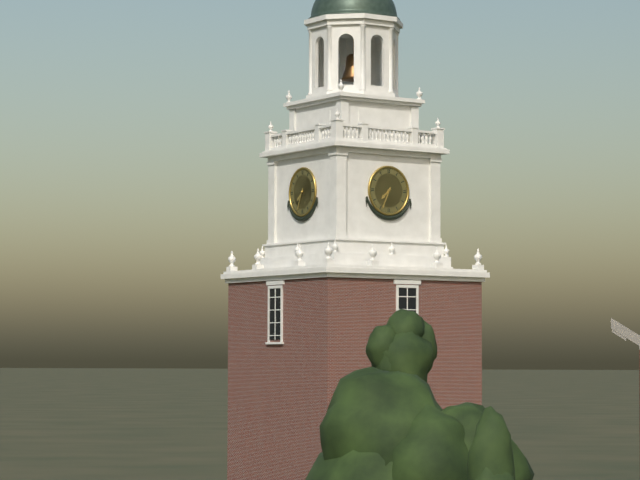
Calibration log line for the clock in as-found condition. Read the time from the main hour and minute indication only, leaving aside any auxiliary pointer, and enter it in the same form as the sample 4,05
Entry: 7,34
